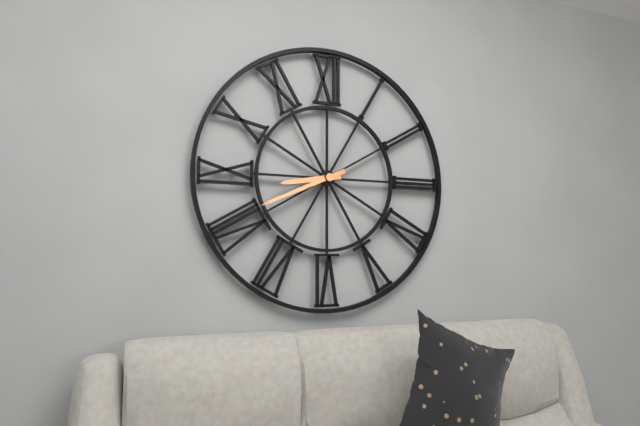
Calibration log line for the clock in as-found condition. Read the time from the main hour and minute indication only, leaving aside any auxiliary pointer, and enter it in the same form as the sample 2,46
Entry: 8,41
